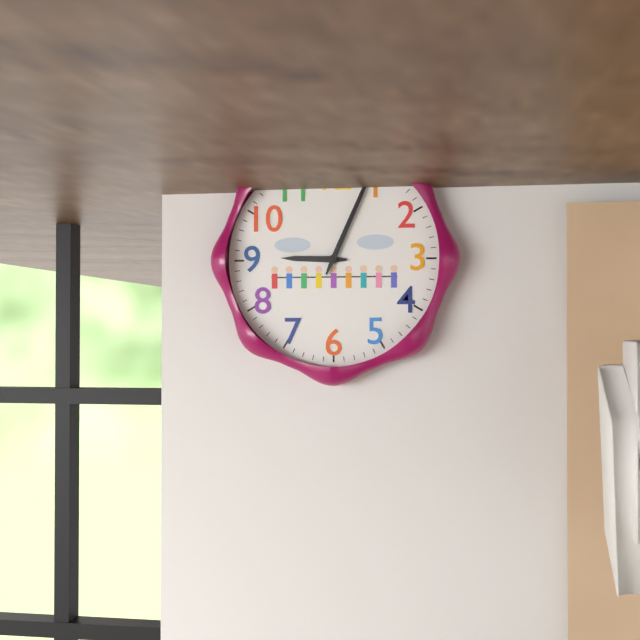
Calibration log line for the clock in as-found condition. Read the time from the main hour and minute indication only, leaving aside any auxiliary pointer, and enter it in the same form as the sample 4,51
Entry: 9,04
